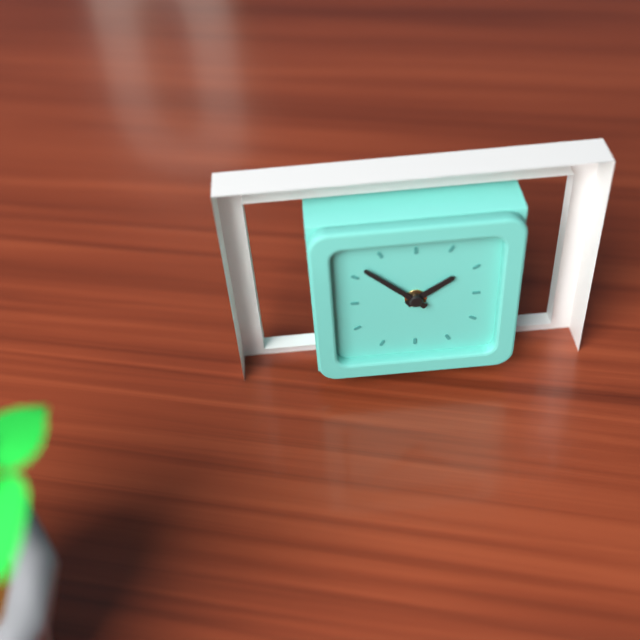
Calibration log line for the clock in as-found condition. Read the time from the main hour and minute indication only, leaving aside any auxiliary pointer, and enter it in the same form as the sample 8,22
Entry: 1,52
